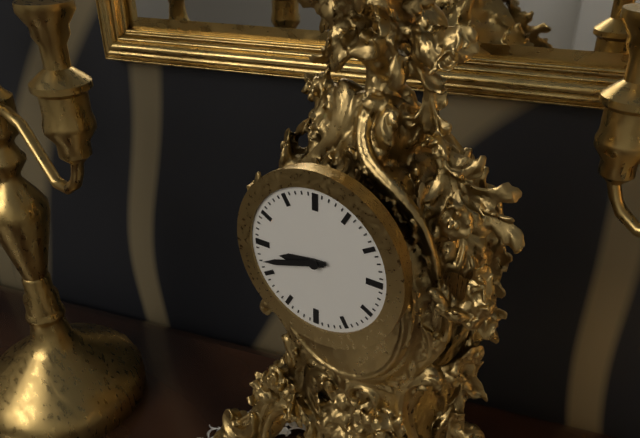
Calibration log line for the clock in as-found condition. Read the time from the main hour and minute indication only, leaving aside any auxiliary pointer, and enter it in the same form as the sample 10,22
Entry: 8,42
